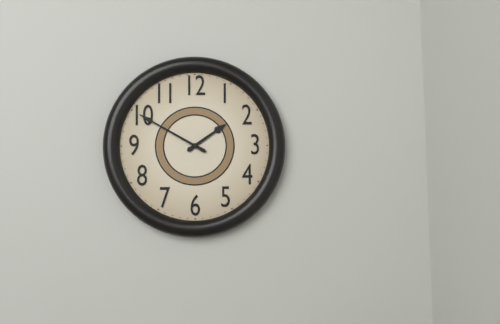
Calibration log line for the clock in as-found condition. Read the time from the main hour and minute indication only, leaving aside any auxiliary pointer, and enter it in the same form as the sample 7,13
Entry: 1,50
